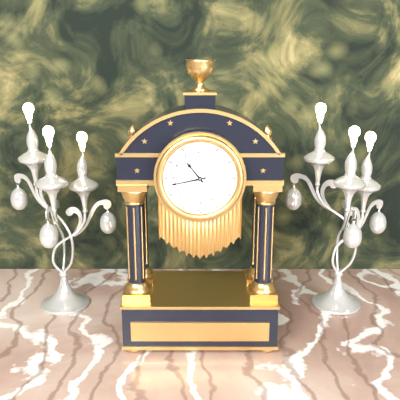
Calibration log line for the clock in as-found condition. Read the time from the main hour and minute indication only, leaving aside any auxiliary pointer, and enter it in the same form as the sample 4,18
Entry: 10,43
